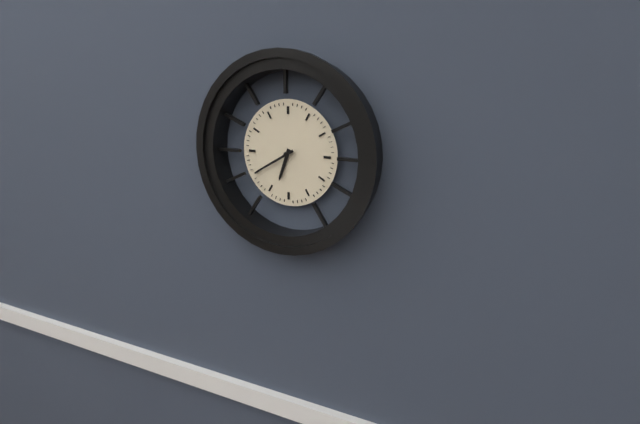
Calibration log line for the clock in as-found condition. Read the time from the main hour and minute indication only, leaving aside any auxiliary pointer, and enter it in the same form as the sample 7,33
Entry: 6,40
